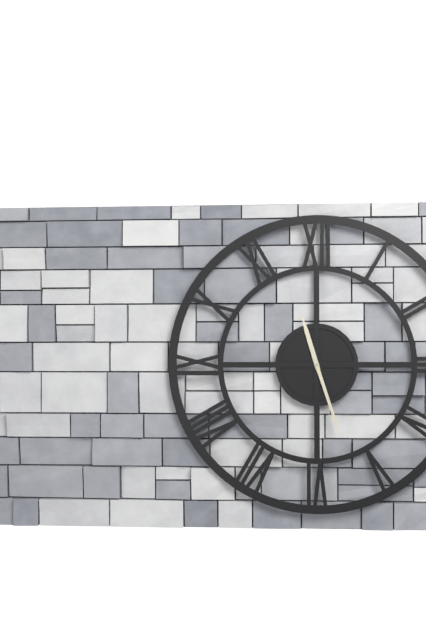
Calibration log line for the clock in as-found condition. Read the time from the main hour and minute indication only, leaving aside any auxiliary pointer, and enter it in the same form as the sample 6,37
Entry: 11,27
